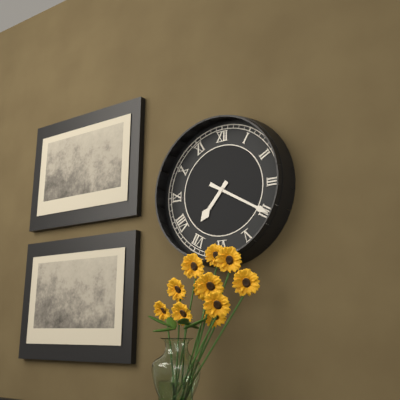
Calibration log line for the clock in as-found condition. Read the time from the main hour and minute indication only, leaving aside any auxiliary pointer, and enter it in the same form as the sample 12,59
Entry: 7,20
